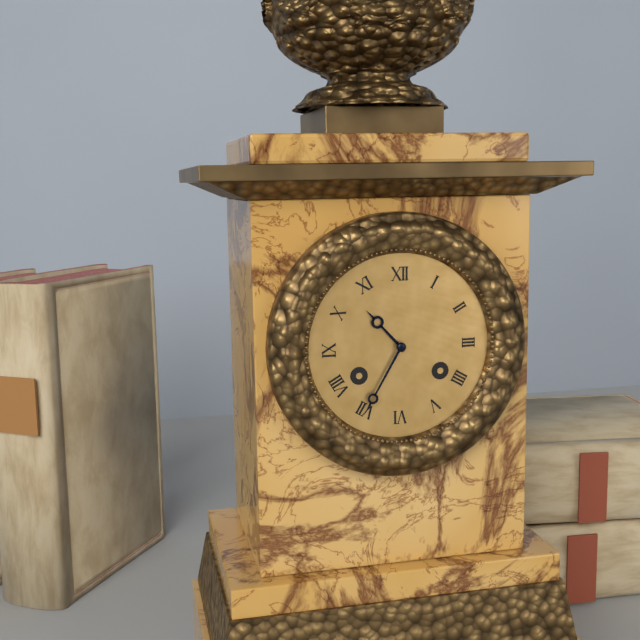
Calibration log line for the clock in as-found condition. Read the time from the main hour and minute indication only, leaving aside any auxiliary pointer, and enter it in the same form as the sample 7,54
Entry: 10,35
